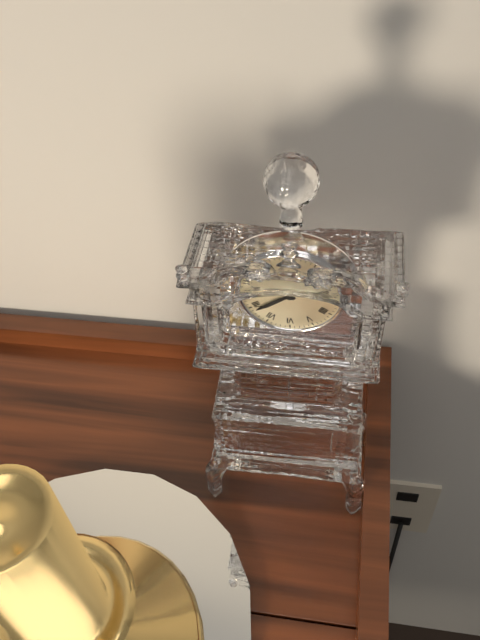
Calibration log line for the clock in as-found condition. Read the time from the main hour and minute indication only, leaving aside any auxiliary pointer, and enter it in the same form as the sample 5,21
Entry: 10,39
